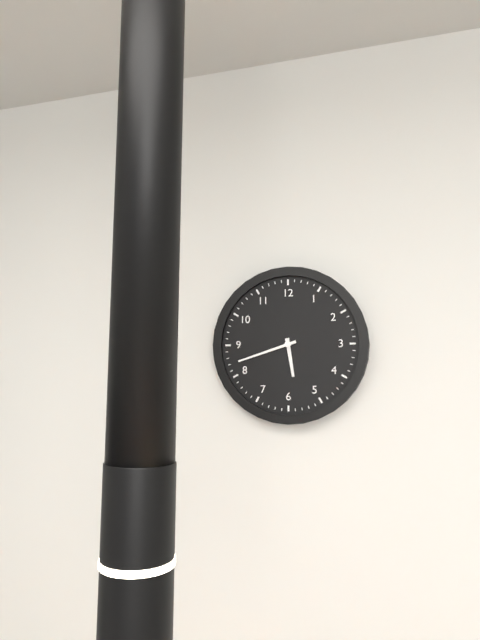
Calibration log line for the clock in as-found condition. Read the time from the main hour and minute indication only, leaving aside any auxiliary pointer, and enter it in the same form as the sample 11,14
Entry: 5,42
